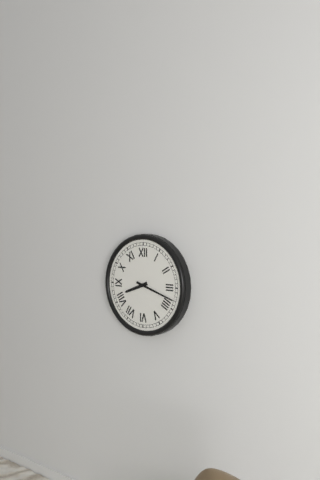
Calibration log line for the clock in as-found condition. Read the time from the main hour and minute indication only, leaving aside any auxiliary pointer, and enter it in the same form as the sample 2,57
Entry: 8,18
